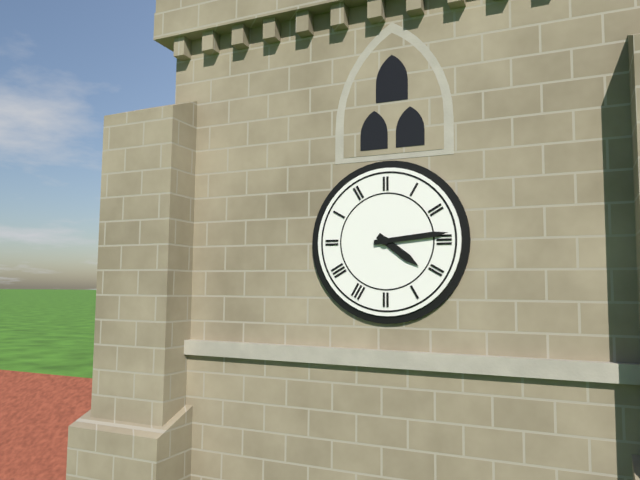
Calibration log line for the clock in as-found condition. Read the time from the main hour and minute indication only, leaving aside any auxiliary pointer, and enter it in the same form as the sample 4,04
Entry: 4,14
